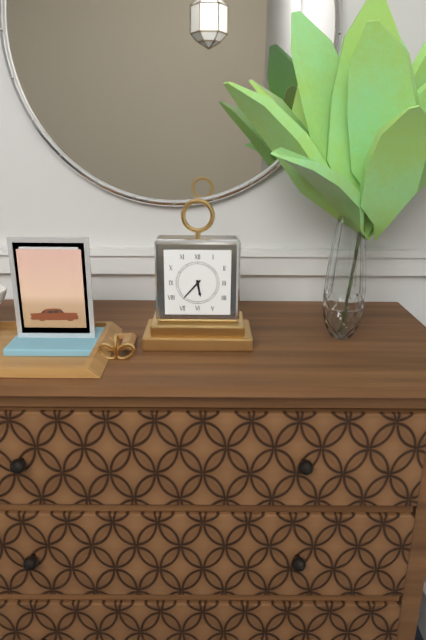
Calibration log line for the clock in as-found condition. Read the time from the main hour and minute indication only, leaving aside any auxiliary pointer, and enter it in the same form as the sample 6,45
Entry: 5,37
